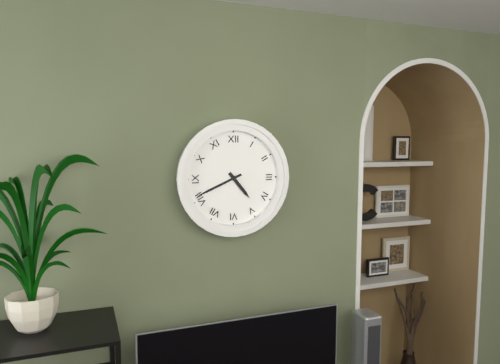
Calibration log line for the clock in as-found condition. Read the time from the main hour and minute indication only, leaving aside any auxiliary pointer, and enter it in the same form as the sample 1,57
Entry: 4,41
